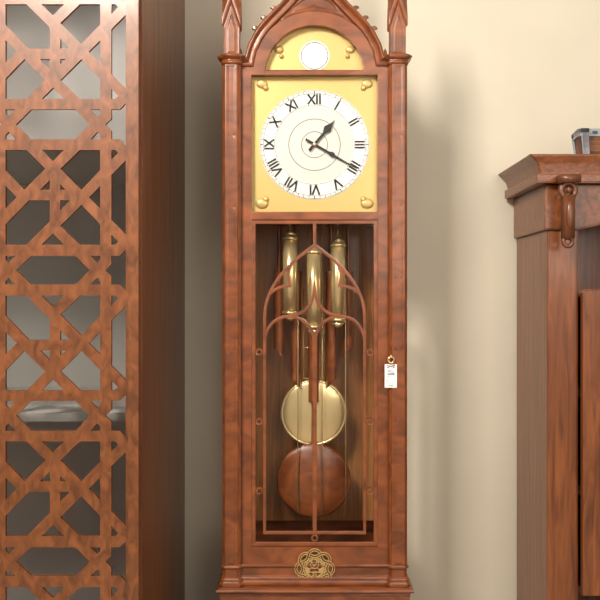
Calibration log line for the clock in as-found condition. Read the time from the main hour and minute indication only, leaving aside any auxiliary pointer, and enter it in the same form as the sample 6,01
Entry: 1,20
